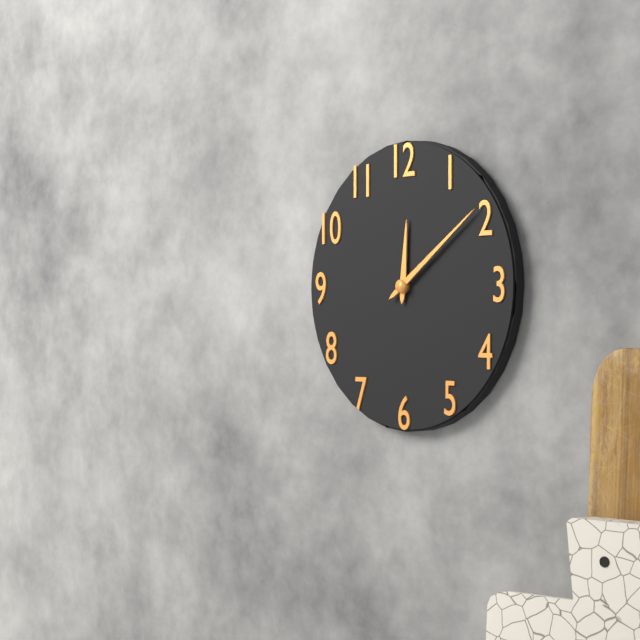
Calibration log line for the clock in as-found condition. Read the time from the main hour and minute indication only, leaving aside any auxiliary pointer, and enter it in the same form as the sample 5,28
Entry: 12,09
